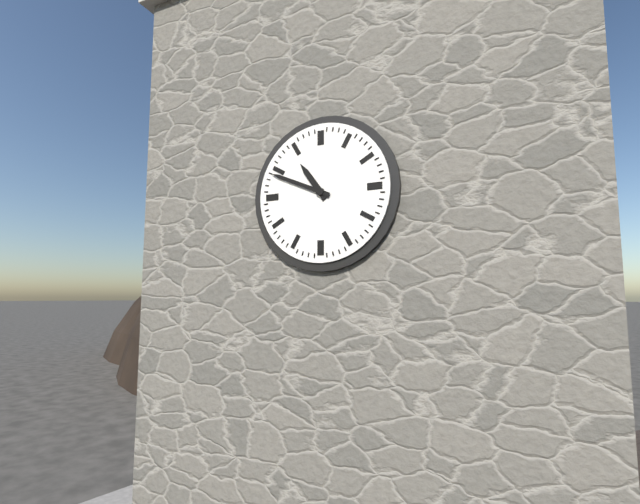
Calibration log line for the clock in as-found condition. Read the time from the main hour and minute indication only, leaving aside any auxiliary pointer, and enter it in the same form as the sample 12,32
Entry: 10,49
